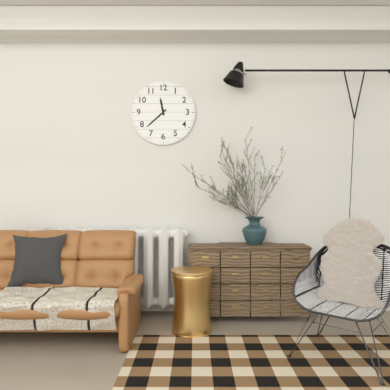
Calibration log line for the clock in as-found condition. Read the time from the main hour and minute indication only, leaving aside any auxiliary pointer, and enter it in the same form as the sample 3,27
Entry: 11,38
